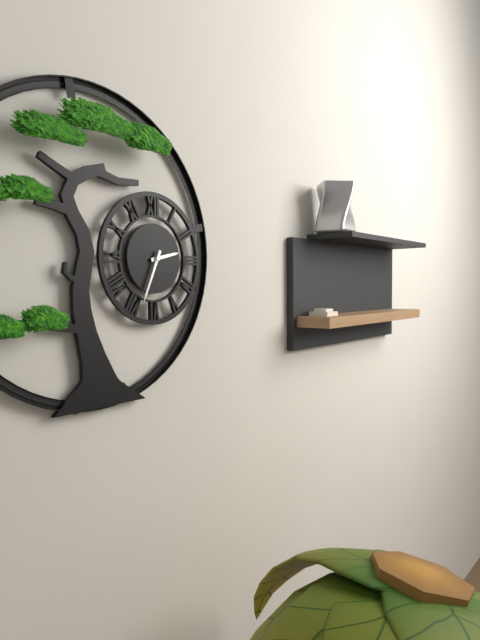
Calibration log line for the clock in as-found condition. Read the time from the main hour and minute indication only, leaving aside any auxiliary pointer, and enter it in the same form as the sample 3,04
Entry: 2,34
